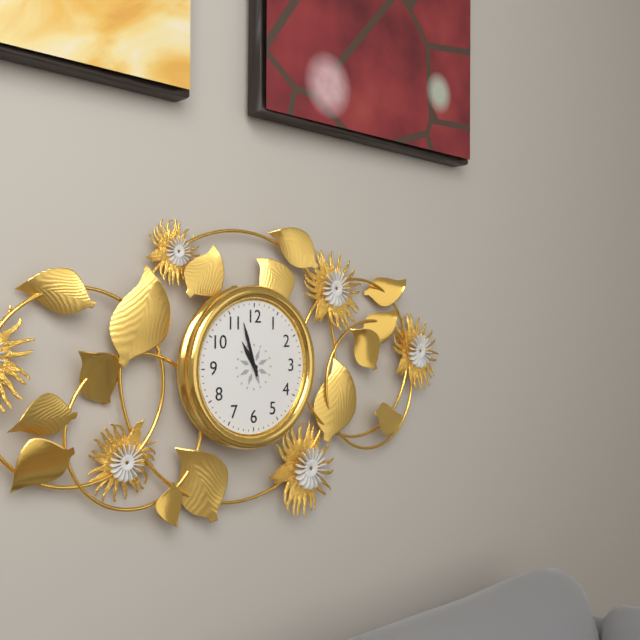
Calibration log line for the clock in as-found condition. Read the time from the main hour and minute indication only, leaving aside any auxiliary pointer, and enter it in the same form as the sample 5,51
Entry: 10,57
